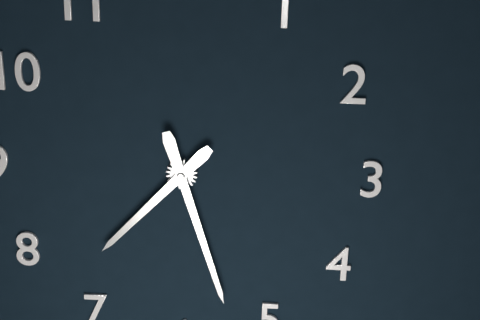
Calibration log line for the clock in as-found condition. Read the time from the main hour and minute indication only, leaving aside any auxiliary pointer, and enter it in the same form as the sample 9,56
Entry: 7,27
